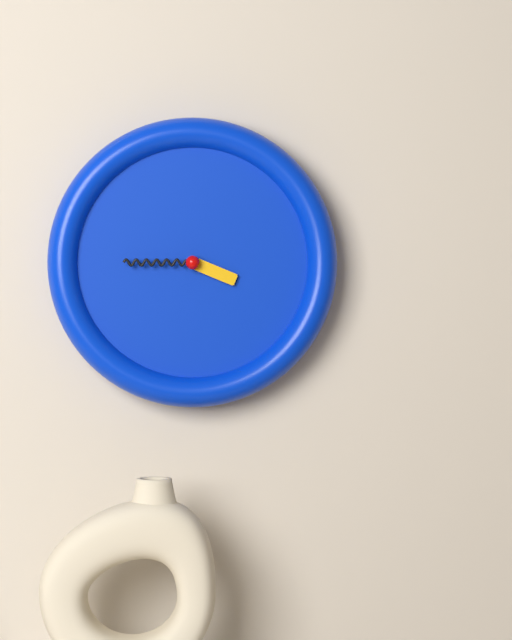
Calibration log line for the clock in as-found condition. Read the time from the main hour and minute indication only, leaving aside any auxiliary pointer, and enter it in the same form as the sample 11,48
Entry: 3,45
